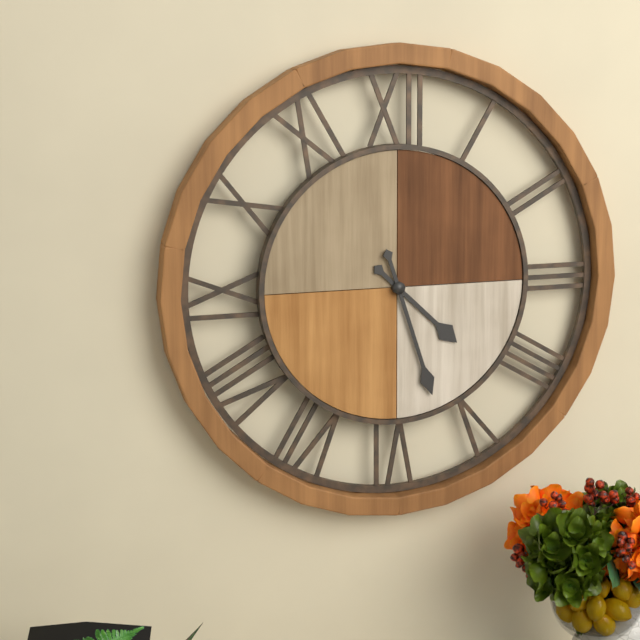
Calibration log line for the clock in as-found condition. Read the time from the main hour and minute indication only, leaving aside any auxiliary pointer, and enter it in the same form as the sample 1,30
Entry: 4,27
